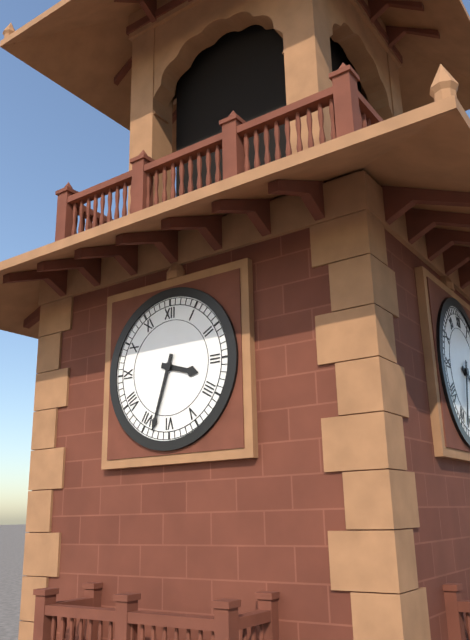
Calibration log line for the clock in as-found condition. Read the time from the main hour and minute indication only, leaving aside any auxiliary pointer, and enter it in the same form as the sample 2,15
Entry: 3,33
